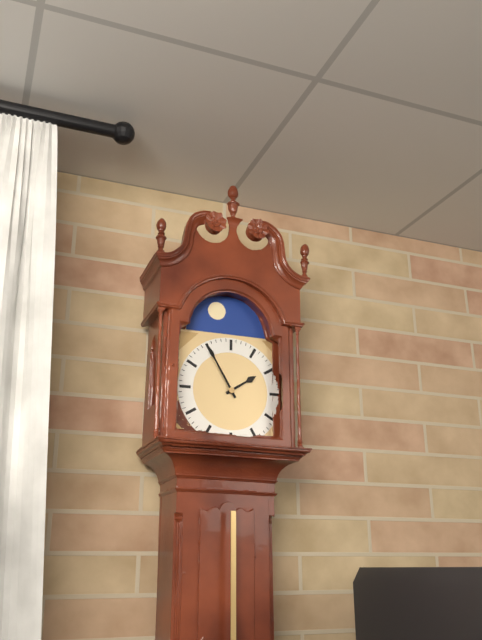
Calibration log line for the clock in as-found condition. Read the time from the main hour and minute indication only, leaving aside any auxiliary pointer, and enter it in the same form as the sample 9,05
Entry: 1,55
